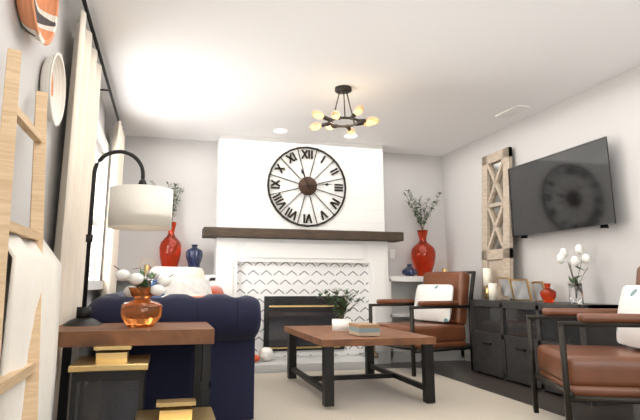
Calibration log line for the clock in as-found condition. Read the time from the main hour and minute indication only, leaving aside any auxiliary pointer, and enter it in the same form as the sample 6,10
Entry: 11,14
